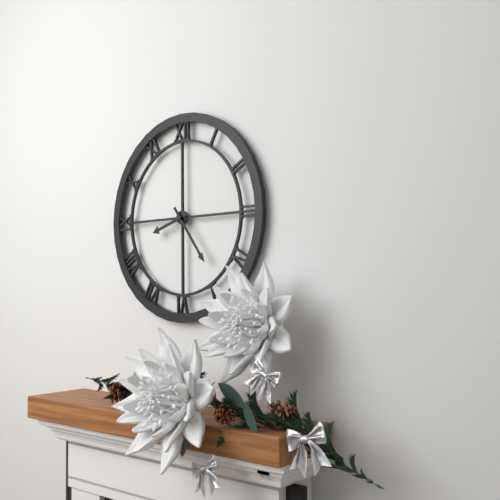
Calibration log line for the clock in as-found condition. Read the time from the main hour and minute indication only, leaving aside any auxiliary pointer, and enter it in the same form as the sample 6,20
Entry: 8,24
